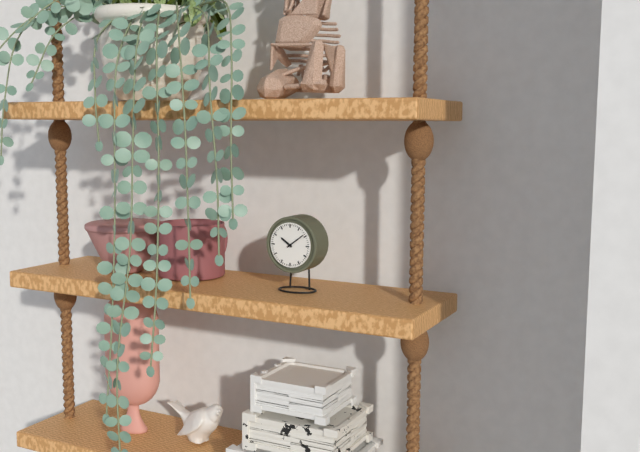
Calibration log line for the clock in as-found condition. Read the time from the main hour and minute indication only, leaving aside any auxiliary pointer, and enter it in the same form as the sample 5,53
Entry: 10,09
